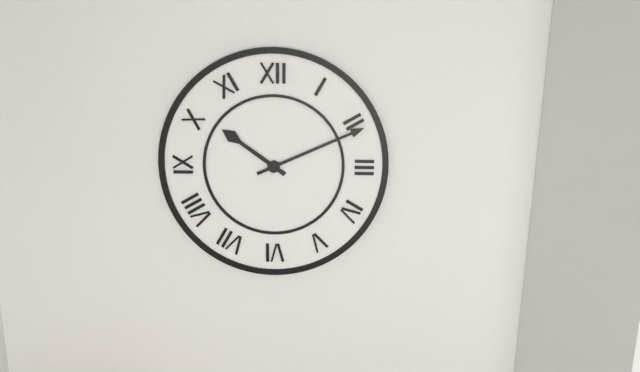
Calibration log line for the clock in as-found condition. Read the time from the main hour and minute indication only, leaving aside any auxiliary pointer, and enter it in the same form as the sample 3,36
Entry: 10,11
